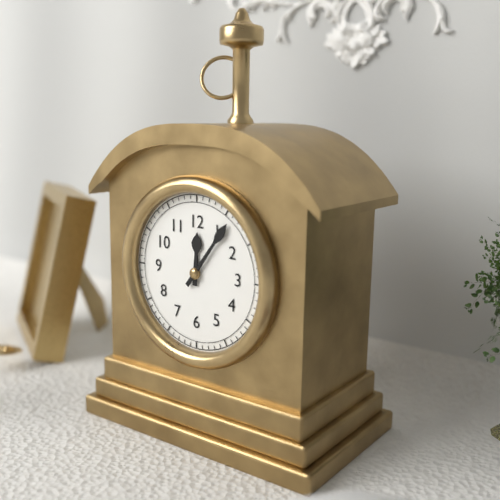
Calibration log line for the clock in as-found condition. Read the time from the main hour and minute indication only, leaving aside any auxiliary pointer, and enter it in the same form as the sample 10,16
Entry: 12,06
